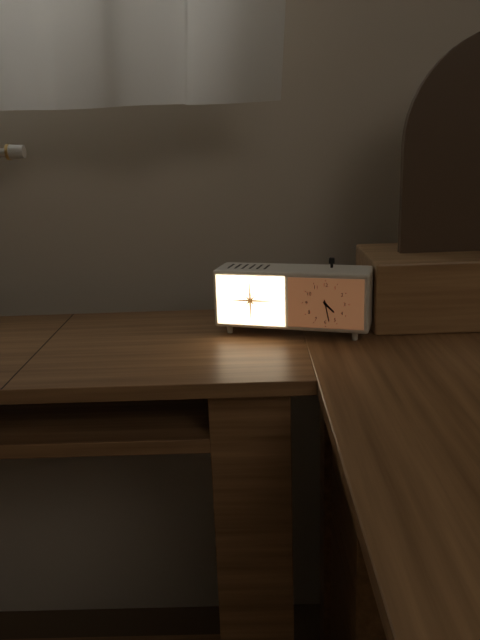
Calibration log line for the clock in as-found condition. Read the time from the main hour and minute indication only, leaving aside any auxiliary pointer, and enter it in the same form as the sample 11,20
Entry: 4,28
